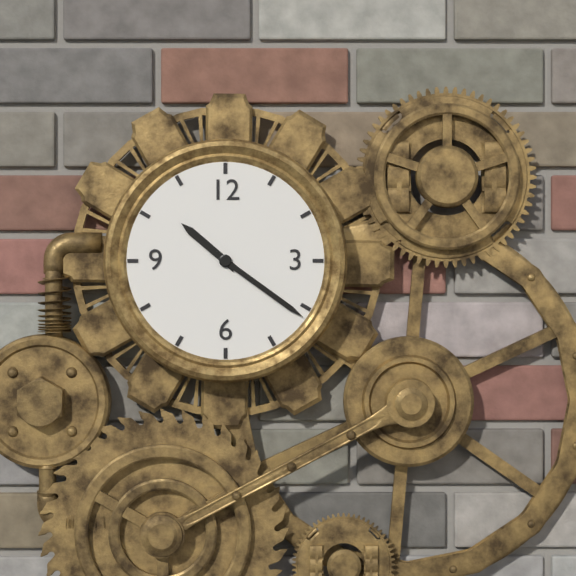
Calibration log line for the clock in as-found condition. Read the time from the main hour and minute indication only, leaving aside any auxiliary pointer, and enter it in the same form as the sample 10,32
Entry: 10,21
